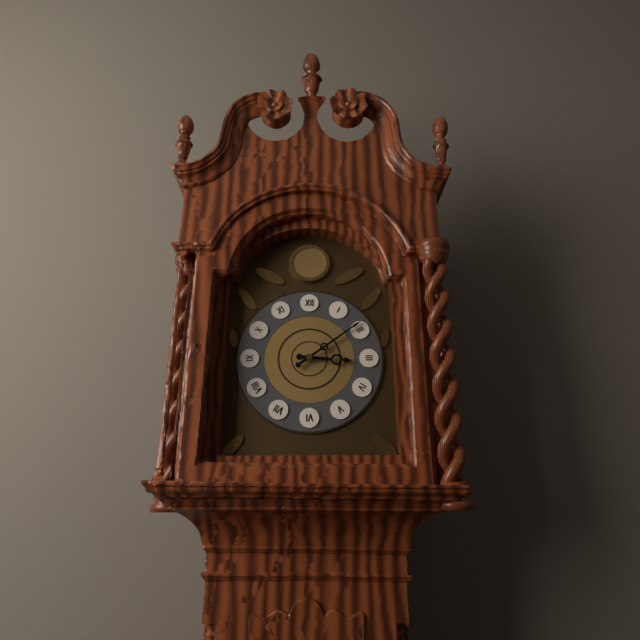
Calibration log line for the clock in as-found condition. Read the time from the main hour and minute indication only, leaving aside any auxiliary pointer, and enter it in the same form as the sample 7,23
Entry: 3,09
